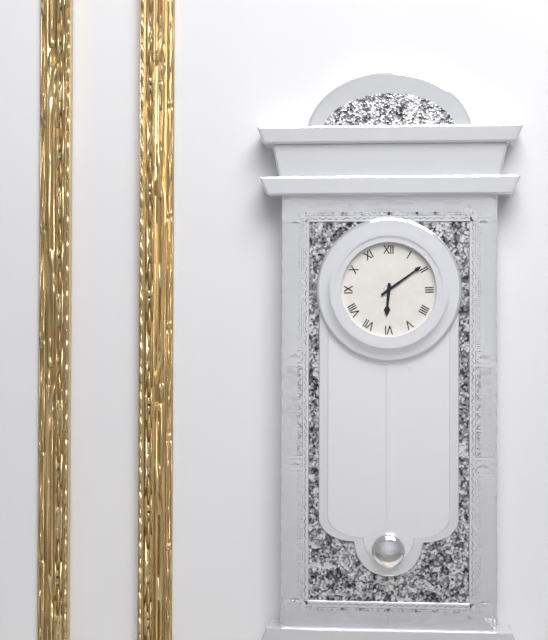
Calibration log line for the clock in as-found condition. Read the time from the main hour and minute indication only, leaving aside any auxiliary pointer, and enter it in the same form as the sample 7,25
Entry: 6,09
